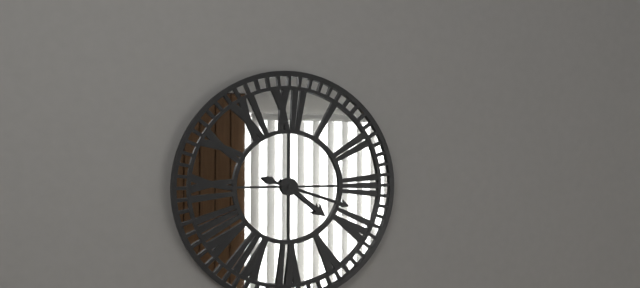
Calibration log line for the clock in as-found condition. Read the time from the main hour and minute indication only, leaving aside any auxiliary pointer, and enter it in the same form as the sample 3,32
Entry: 4,18
